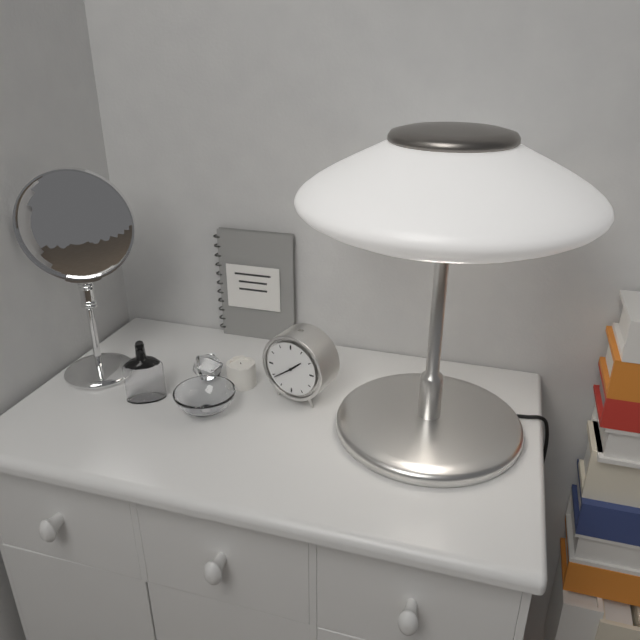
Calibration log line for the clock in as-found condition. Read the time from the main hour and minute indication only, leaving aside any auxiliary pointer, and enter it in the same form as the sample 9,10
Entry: 1,39
